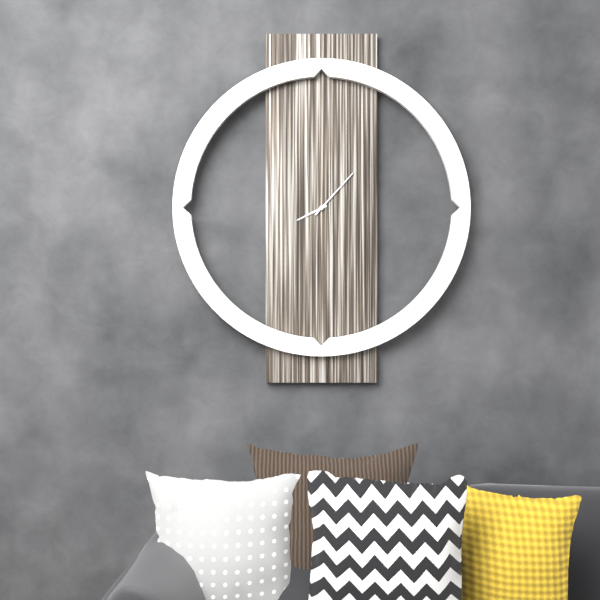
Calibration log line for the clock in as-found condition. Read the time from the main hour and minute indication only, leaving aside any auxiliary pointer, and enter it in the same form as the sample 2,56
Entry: 8,07
